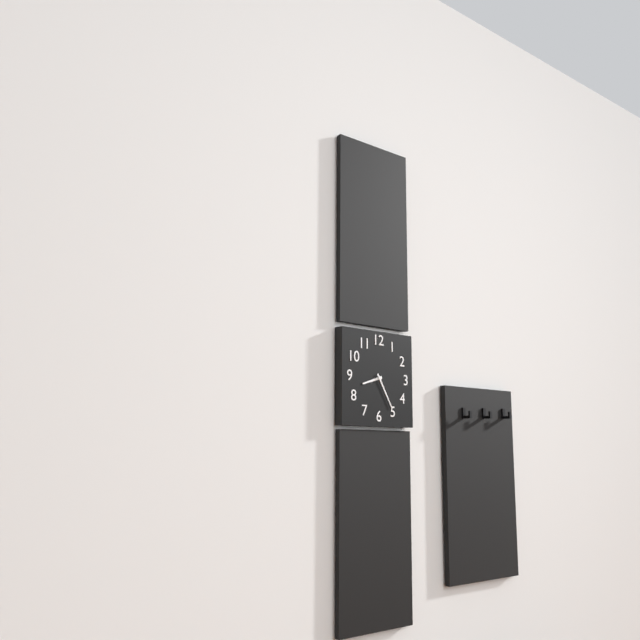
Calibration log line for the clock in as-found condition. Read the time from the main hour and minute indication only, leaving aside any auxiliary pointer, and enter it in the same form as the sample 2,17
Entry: 8,25
